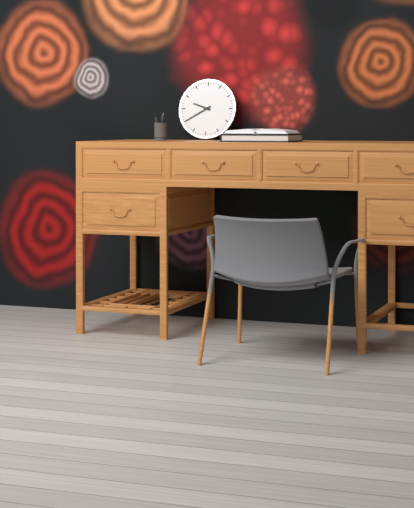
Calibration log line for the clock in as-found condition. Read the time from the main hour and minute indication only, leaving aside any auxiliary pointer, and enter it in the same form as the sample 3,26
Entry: 9,40
